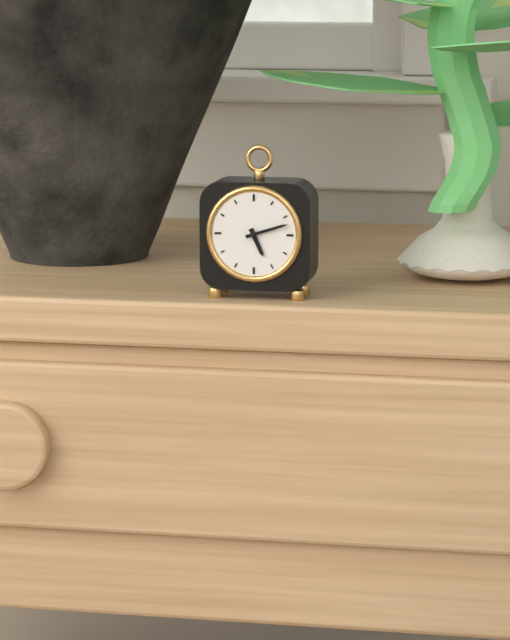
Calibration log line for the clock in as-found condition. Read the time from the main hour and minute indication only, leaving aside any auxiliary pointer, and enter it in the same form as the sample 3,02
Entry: 5,12
